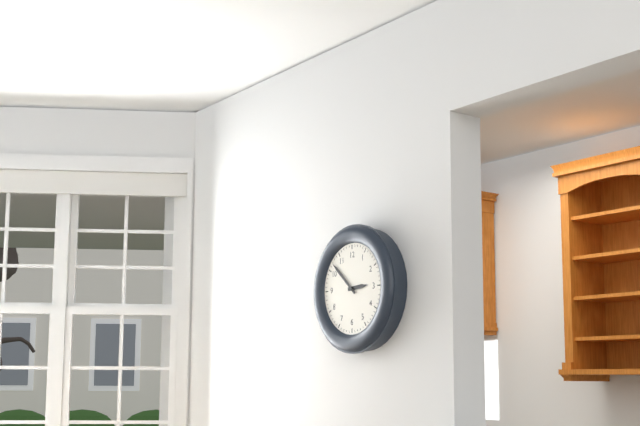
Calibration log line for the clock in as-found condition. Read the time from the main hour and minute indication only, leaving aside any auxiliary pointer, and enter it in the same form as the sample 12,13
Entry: 2,52
